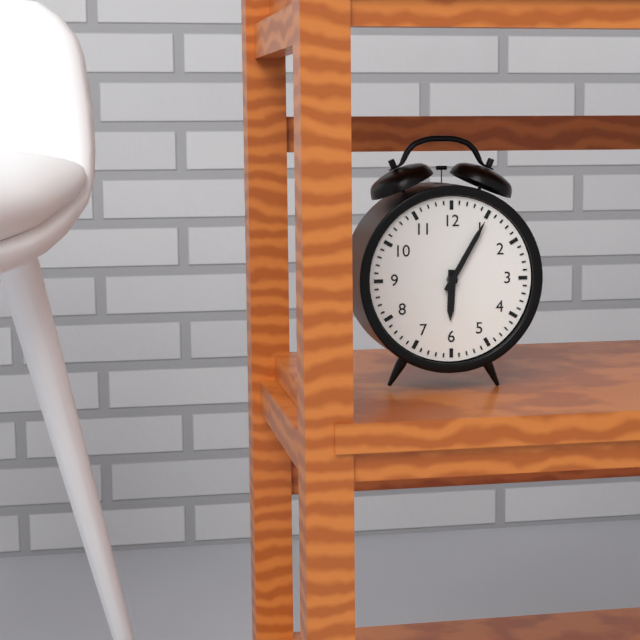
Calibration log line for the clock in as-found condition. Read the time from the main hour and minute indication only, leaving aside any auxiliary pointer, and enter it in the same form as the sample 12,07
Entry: 6,05
